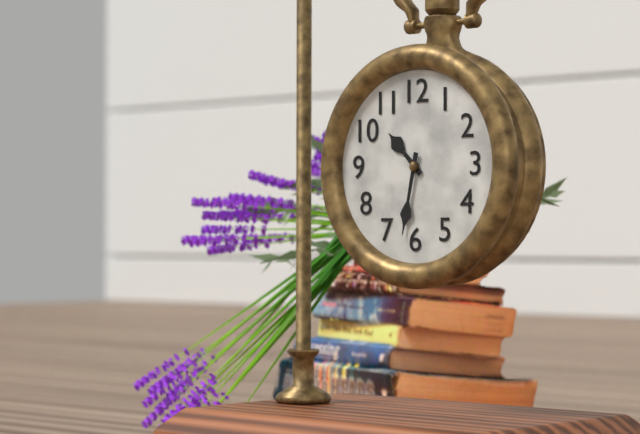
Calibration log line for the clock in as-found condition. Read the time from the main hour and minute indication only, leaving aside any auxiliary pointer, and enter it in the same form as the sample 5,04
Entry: 10,32
